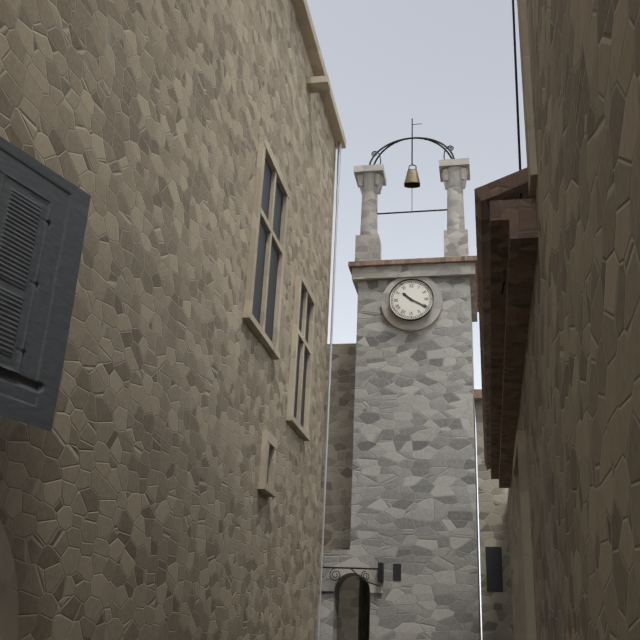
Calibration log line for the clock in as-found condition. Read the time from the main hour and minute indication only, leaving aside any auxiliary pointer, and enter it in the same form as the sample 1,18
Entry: 10,20
